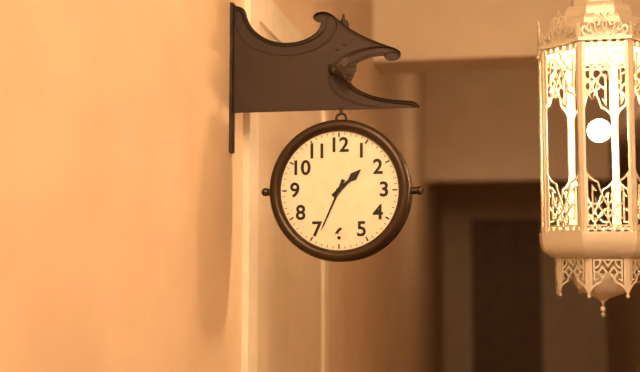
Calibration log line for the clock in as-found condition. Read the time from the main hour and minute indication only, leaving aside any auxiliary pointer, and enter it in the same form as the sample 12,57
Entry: 1,34
